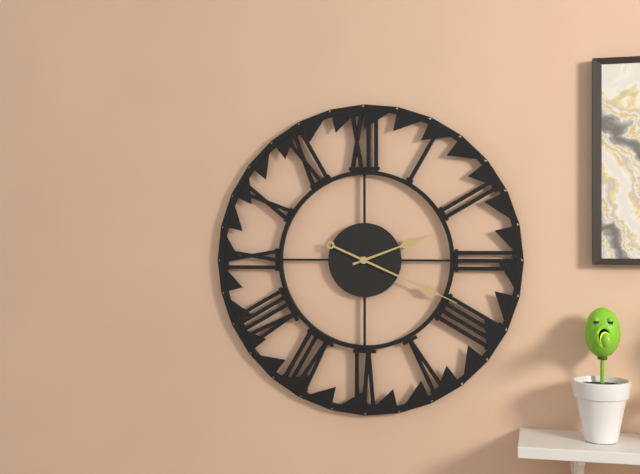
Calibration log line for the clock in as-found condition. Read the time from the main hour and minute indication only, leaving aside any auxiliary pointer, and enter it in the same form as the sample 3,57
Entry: 2,19
